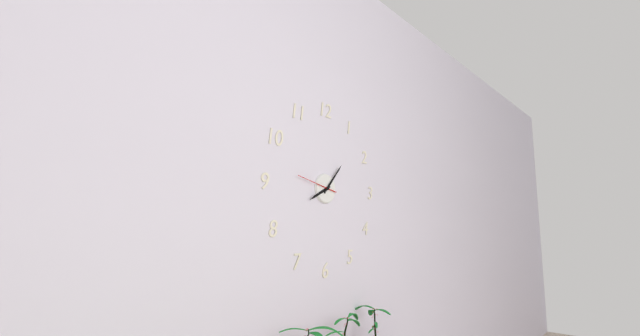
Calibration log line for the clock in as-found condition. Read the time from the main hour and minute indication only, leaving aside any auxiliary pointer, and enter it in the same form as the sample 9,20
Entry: 8,07
